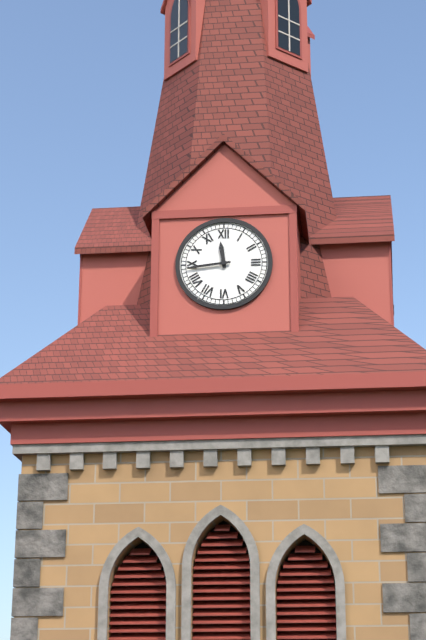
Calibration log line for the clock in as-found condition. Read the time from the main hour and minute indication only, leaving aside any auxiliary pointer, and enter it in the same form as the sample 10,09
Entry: 11,44
